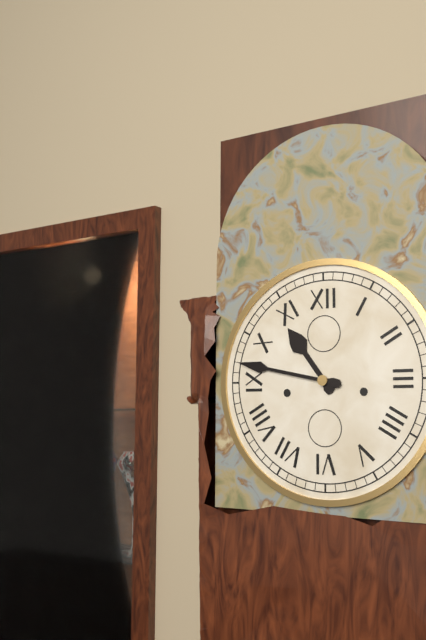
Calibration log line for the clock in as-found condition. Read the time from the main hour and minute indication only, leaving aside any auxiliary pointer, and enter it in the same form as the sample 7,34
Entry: 10,47
